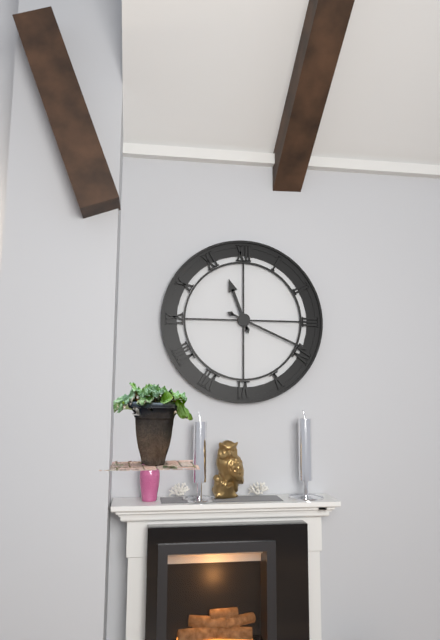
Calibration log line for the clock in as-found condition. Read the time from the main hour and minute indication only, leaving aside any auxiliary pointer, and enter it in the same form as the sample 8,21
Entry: 11,19
